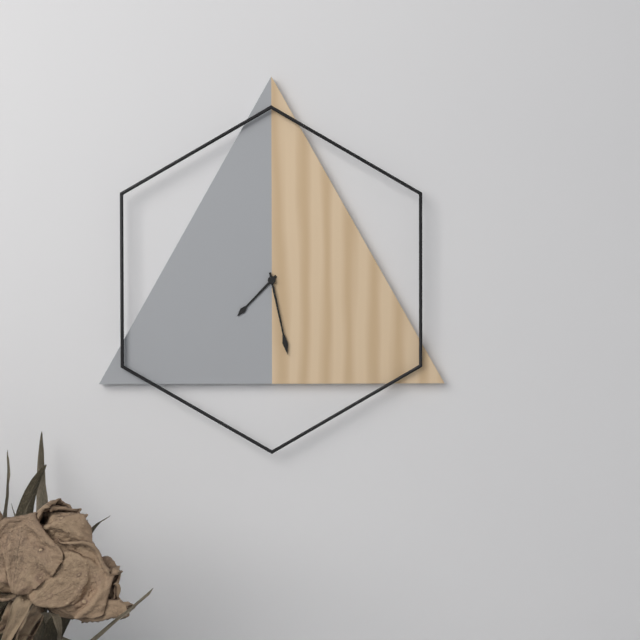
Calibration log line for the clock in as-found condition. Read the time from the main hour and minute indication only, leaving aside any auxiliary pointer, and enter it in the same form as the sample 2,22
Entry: 7,28
